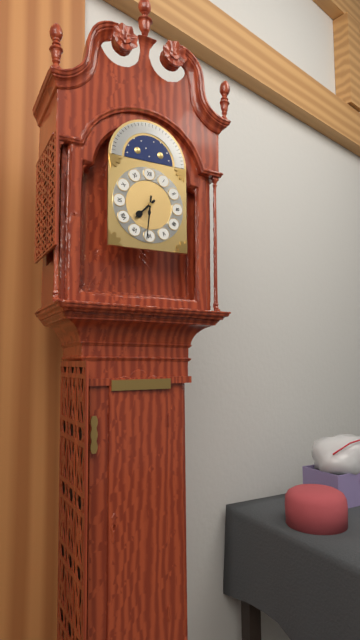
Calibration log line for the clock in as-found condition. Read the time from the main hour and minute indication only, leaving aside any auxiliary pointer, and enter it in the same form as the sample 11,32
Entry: 7,31
